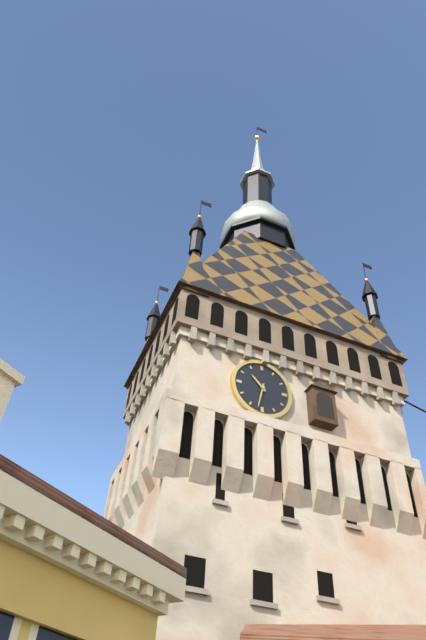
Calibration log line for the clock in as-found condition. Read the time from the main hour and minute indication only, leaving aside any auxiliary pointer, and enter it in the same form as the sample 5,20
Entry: 10,32
